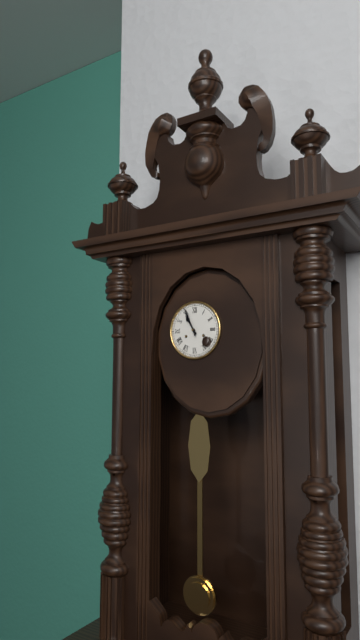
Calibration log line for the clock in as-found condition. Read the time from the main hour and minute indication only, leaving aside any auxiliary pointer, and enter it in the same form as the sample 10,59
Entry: 10,56
